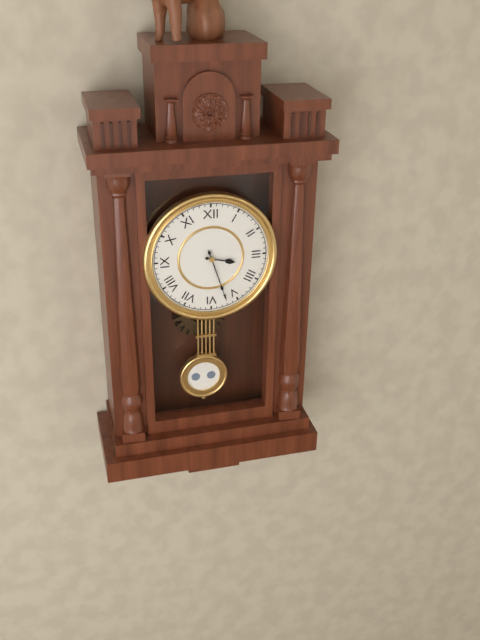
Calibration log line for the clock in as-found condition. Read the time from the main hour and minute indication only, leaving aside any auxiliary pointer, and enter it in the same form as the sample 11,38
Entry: 3,27
